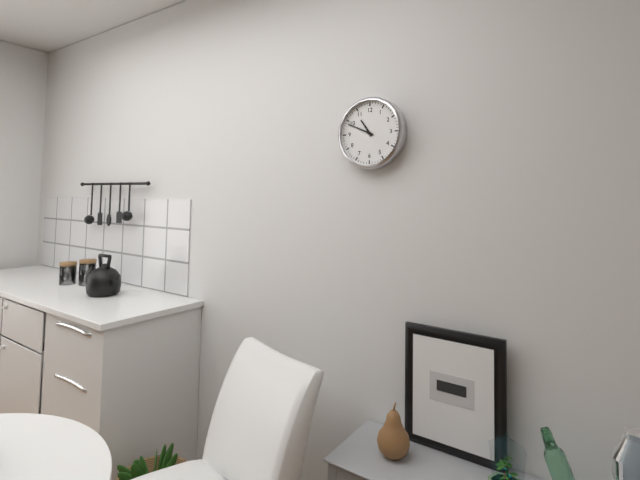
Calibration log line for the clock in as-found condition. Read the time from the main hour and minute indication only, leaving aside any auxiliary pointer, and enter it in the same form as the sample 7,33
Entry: 10,49
